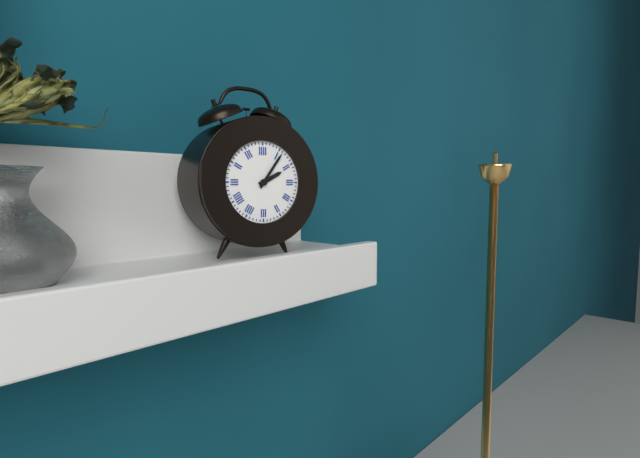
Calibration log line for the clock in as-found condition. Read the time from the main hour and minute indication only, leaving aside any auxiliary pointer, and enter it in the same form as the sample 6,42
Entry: 2,06
